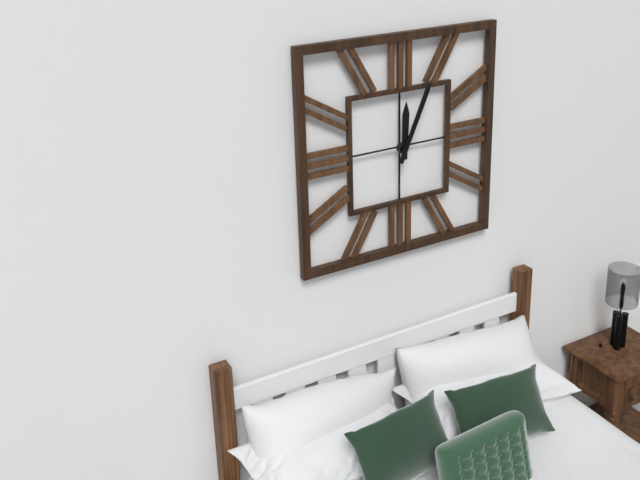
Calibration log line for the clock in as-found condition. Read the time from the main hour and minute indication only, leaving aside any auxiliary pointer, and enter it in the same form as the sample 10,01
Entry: 12,04
